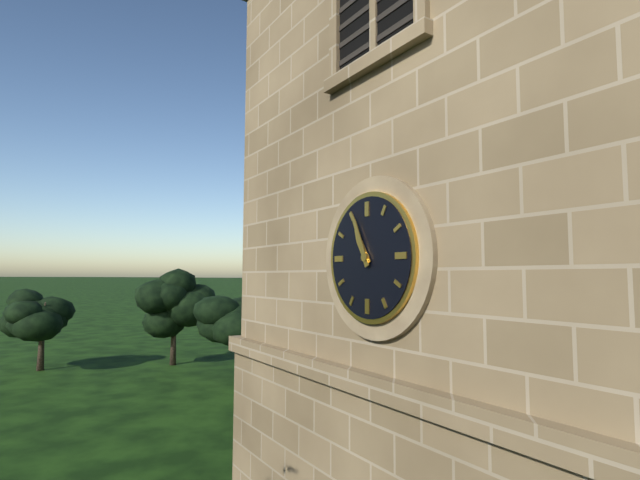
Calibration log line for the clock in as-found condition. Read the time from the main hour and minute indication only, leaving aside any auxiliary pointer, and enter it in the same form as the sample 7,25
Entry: 10,56
